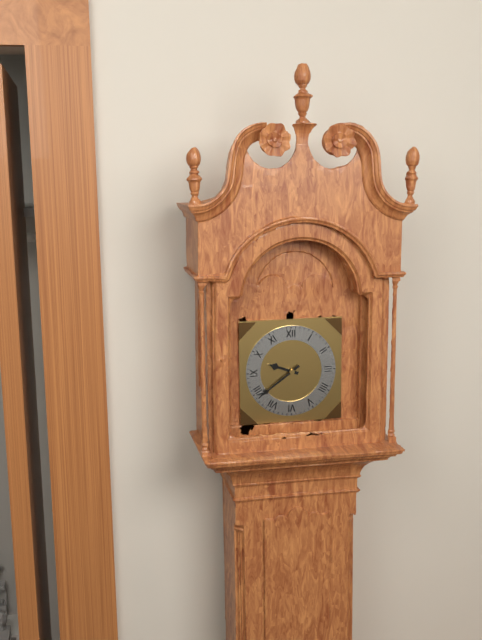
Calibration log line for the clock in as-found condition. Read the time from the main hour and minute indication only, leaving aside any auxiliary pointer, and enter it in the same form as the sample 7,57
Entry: 9,39
